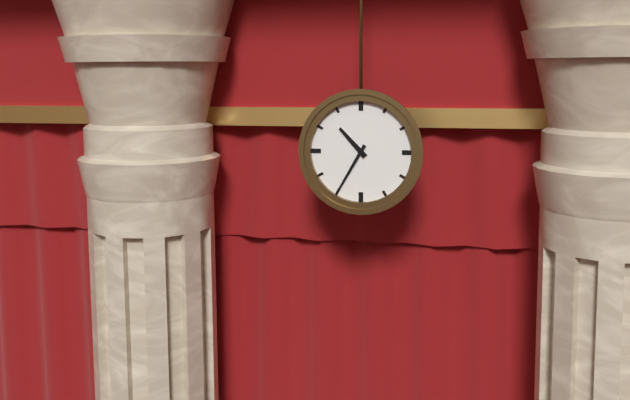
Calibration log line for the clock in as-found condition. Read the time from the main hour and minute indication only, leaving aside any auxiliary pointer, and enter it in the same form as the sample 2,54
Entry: 10,35
